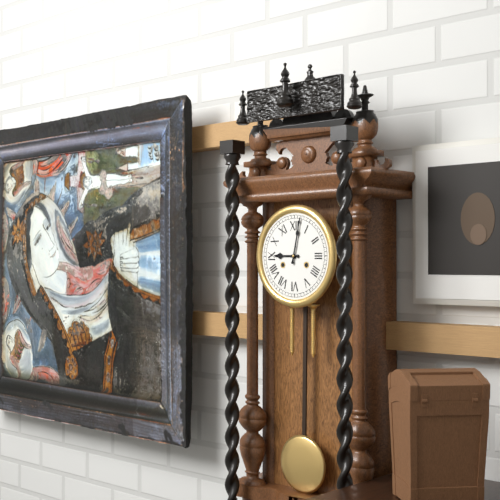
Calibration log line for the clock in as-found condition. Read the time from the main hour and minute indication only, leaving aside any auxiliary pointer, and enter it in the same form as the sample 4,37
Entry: 9,02
